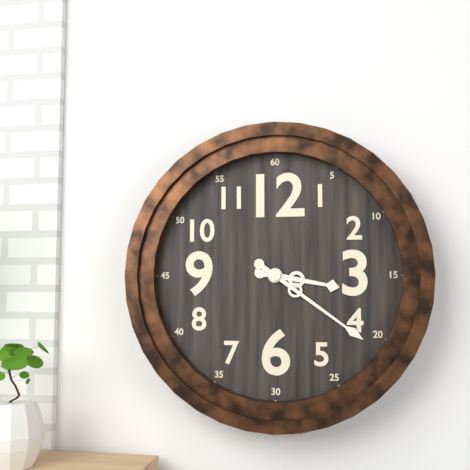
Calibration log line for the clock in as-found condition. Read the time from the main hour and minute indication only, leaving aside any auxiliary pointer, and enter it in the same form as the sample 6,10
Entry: 3,21
